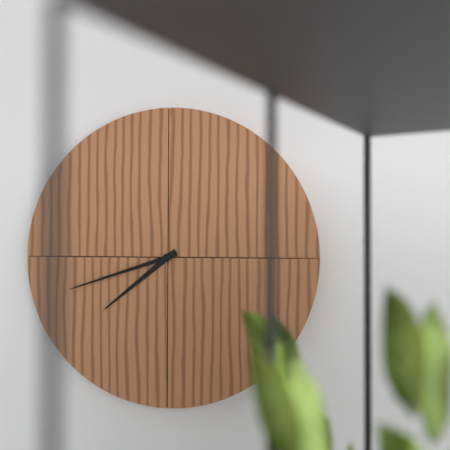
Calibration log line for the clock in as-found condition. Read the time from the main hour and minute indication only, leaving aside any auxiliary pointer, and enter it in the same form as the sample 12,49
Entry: 7,42
